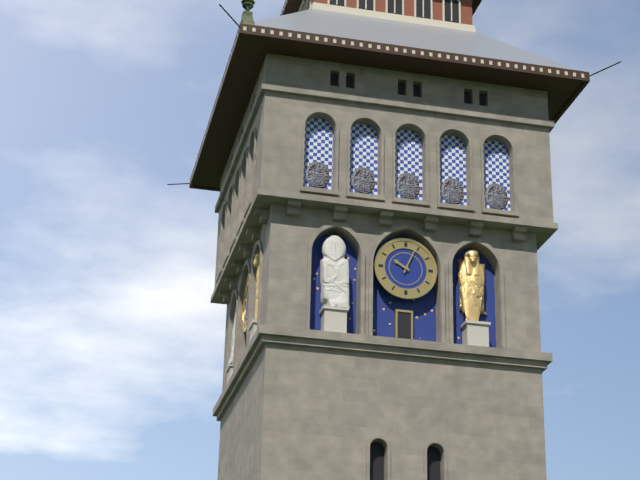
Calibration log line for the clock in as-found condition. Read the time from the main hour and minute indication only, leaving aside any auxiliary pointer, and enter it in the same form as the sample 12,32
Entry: 10,04
